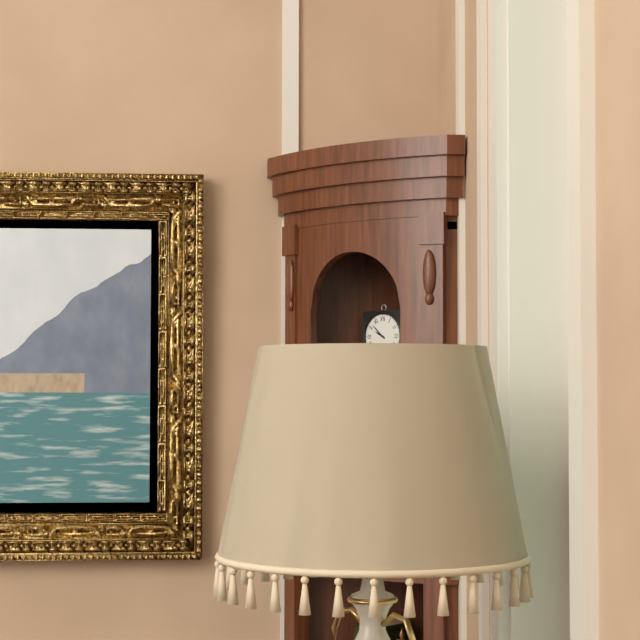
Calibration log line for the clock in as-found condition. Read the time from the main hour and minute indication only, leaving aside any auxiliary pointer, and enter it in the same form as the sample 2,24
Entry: 9,52
